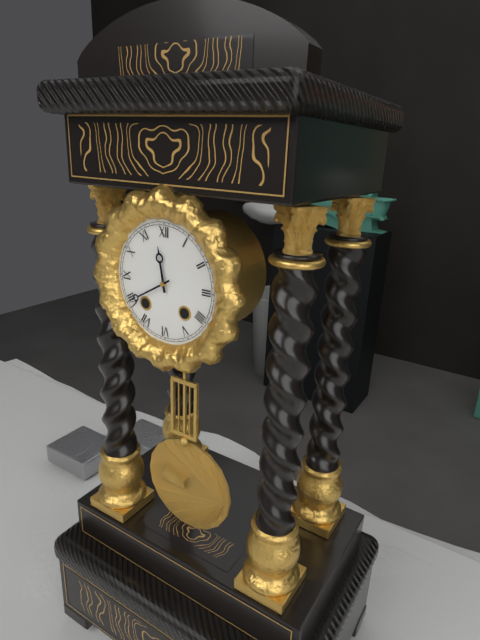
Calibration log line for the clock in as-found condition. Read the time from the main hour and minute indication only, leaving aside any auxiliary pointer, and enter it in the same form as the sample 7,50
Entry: 11,40
